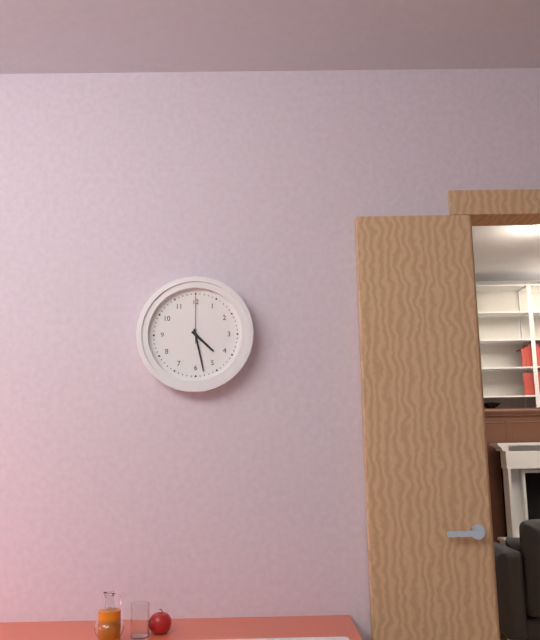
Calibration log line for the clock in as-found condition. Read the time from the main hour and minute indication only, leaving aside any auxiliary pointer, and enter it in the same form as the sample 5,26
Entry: 4,28
